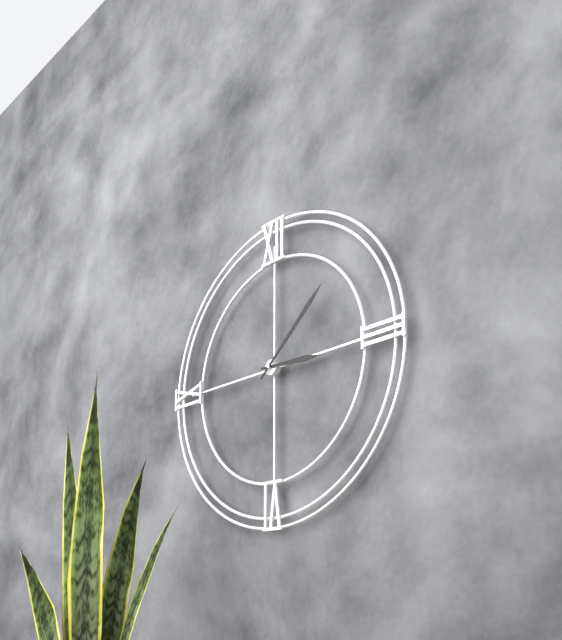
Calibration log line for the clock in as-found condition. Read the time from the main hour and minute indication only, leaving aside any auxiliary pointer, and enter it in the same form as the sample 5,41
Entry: 3,08
